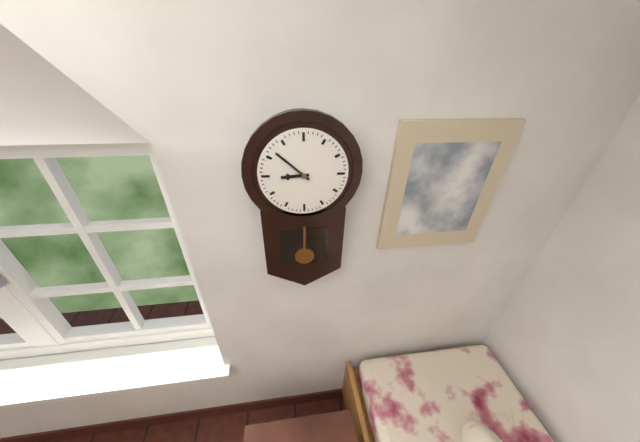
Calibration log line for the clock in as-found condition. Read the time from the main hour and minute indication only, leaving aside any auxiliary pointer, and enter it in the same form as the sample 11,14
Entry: 8,52
